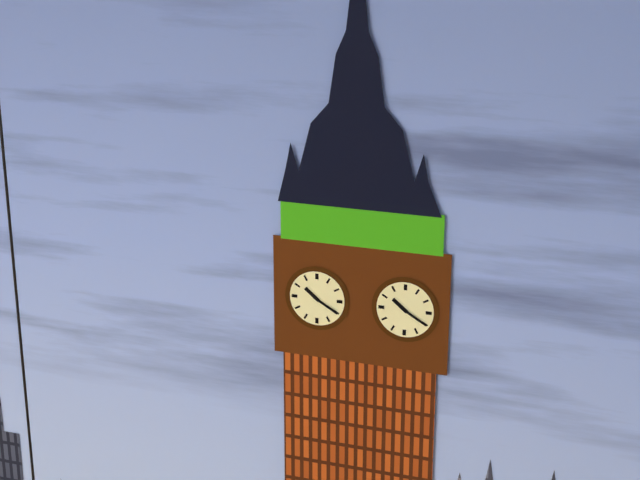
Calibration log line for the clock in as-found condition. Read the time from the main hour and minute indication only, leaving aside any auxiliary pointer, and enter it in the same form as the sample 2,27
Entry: 10,20
